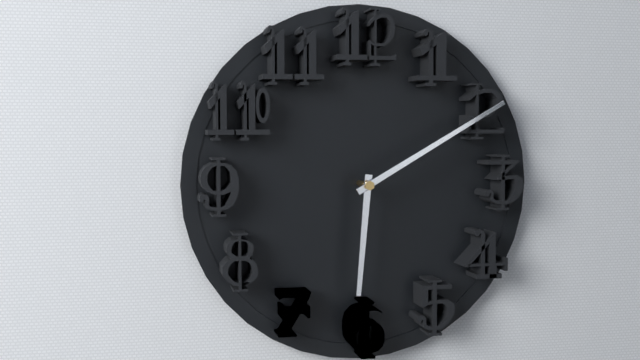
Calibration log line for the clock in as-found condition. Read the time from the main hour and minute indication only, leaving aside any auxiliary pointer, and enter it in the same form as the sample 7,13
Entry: 6,10
